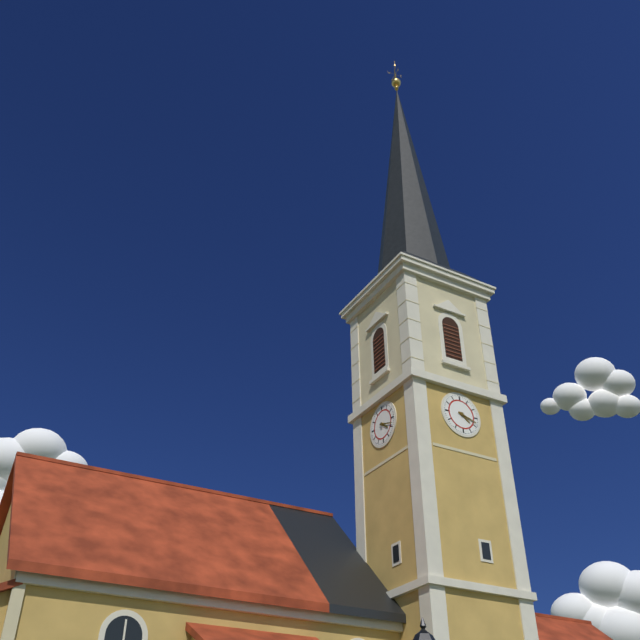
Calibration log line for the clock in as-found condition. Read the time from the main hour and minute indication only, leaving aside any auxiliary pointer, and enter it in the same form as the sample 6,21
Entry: 4,18
